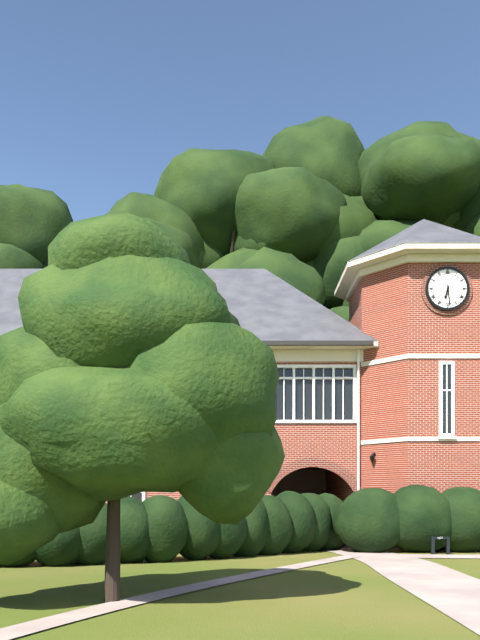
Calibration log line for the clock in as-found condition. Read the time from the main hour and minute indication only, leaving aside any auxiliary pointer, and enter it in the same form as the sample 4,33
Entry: 6,29
